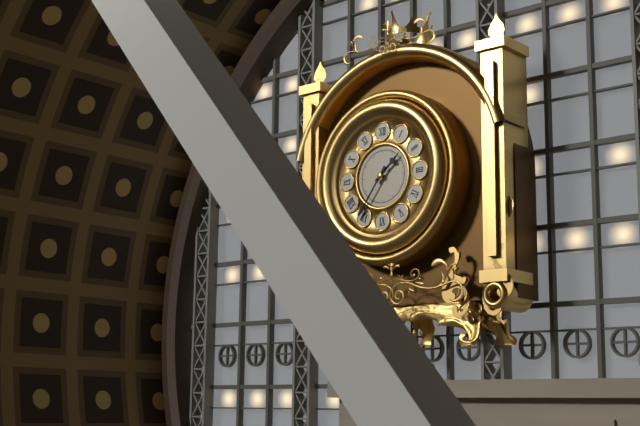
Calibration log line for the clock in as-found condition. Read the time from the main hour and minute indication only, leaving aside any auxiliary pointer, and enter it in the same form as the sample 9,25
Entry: 1,36
